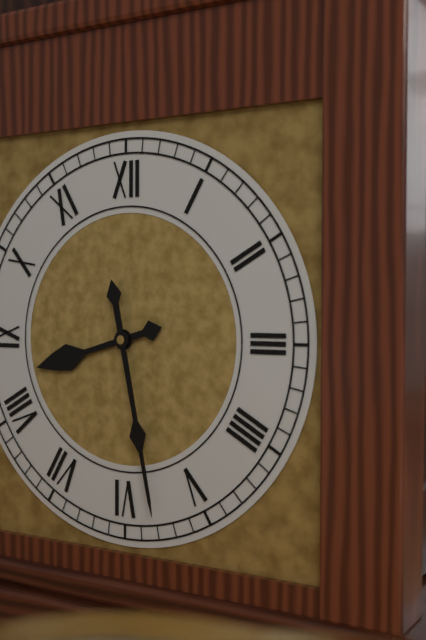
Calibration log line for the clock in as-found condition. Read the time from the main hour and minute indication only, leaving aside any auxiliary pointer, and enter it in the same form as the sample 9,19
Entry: 8,28
